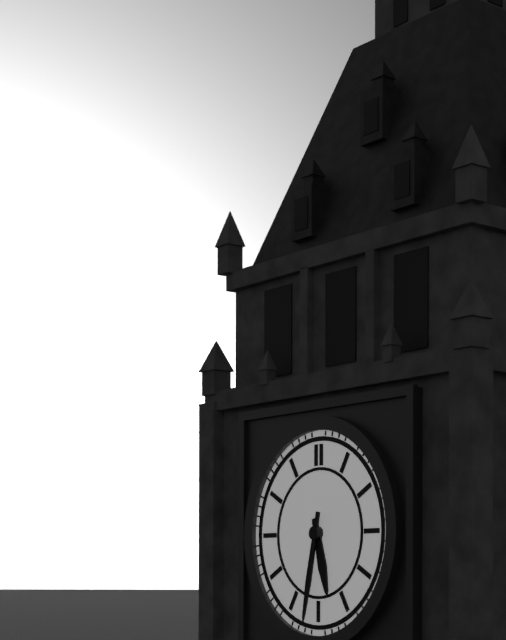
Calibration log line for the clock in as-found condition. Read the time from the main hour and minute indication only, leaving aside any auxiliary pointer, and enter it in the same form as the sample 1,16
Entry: 5,32
